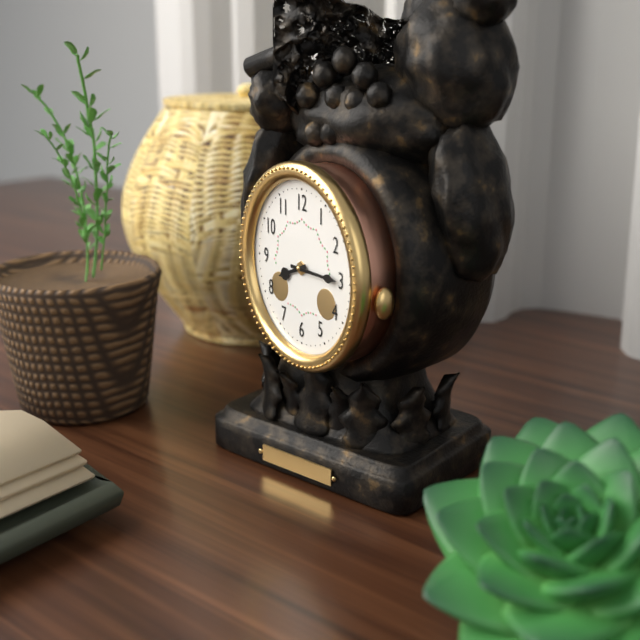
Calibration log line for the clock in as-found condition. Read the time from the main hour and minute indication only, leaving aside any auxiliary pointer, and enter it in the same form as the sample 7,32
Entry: 8,15
